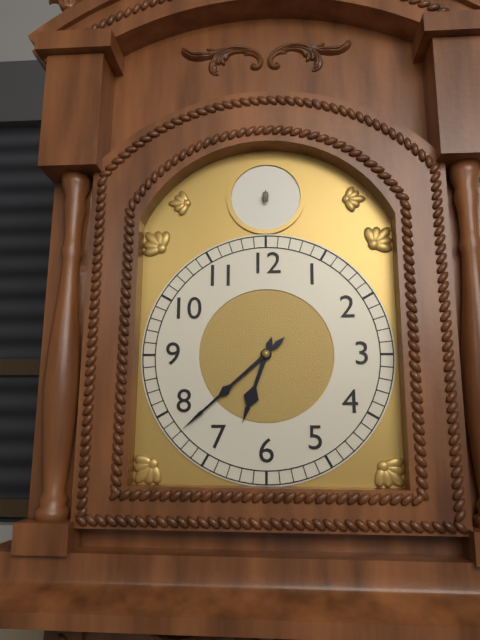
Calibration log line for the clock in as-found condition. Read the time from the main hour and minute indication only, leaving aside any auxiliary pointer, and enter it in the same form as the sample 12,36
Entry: 6,38
